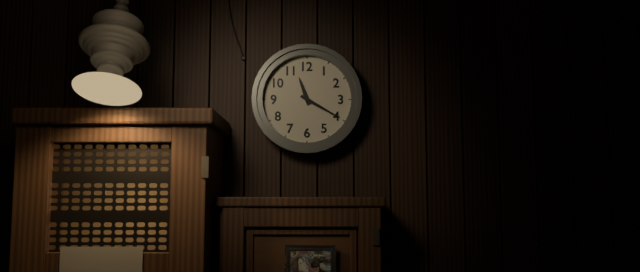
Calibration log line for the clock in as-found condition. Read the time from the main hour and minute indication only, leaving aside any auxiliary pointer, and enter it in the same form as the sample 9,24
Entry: 11,20
